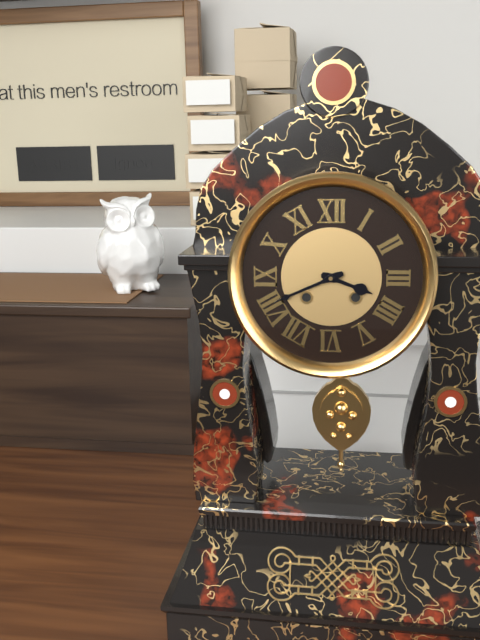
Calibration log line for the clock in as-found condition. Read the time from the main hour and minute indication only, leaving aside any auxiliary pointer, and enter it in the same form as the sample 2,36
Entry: 3,41
